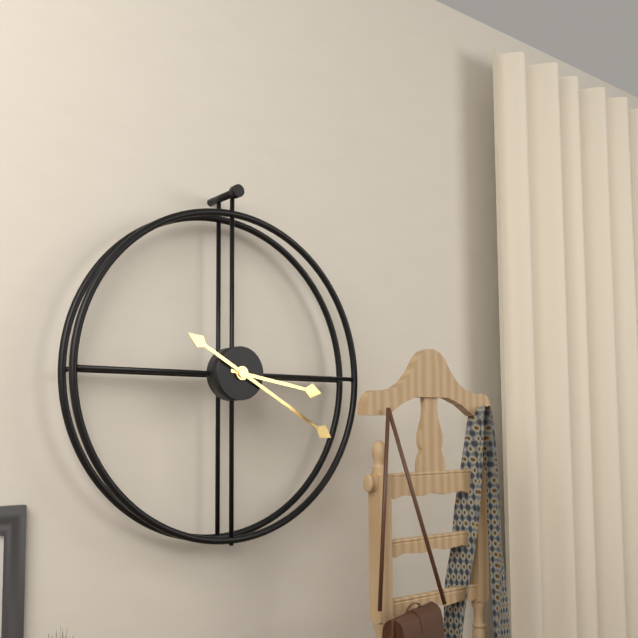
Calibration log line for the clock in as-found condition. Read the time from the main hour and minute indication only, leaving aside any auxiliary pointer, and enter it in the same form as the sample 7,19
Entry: 3,20
